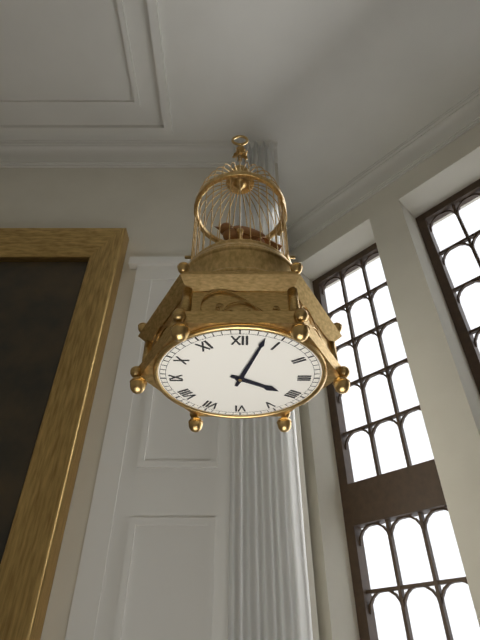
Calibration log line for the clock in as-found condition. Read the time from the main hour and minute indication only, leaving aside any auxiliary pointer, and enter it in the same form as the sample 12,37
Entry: 4,03
